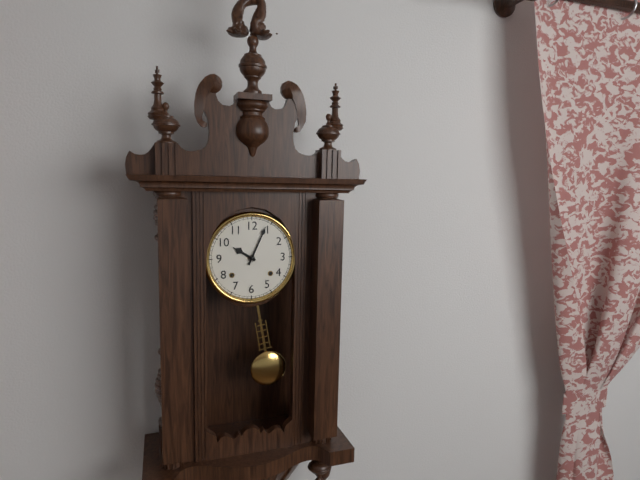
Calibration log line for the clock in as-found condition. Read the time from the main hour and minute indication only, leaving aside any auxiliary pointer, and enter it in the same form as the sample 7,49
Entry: 10,04
